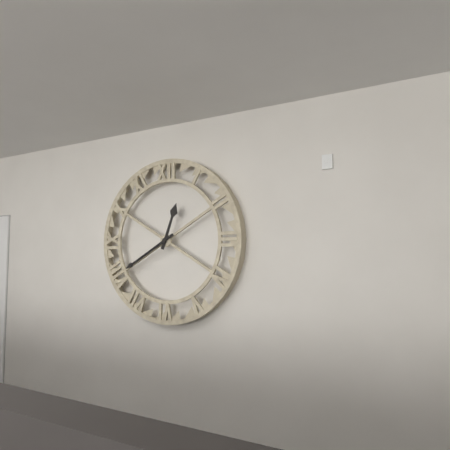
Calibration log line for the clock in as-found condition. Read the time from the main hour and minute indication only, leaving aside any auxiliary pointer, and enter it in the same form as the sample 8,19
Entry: 12,40
